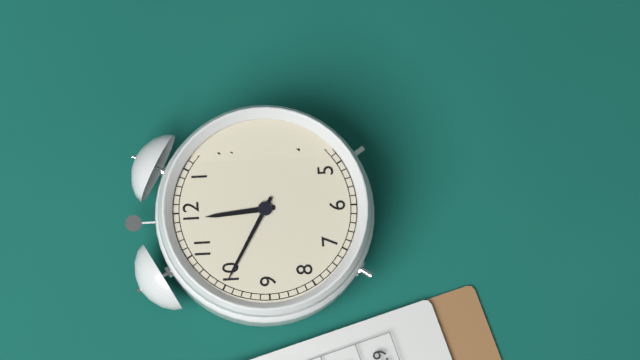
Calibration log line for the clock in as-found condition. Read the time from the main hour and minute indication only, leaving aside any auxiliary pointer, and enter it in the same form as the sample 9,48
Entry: 11,50
